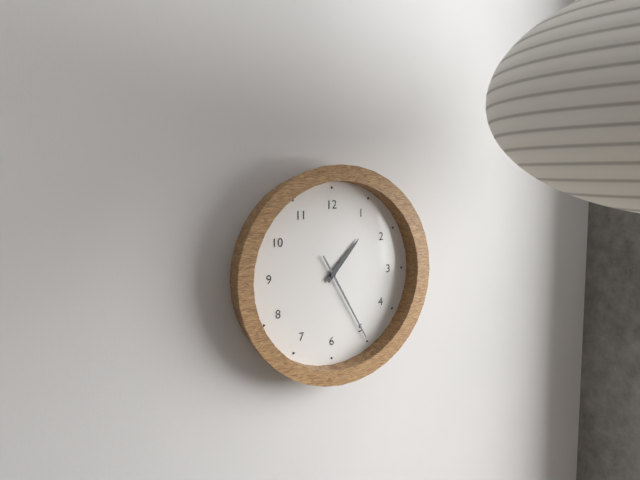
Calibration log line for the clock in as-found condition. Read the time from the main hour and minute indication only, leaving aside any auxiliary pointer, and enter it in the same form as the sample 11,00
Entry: 1,25
